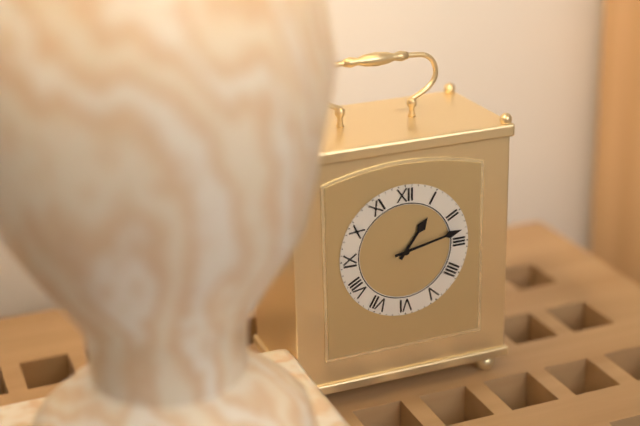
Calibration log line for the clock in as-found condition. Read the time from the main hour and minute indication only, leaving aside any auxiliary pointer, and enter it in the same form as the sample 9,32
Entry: 1,13
